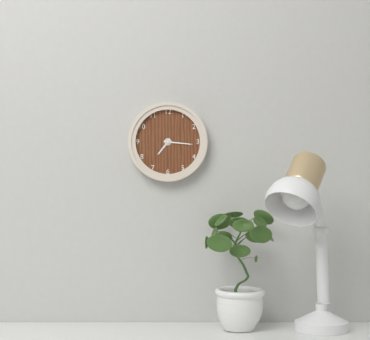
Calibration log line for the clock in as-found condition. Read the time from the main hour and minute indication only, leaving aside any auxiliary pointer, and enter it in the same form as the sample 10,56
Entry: 7,16
